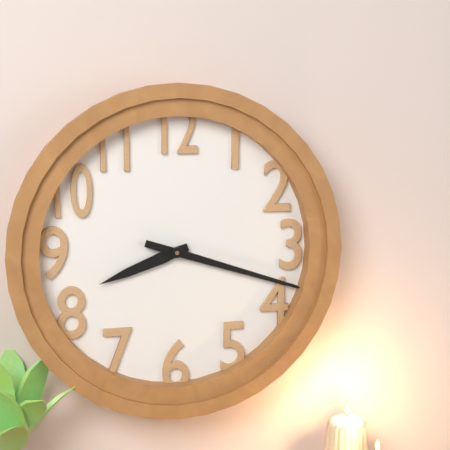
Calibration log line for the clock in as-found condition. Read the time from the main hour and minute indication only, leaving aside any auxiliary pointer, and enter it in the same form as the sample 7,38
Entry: 8,18
